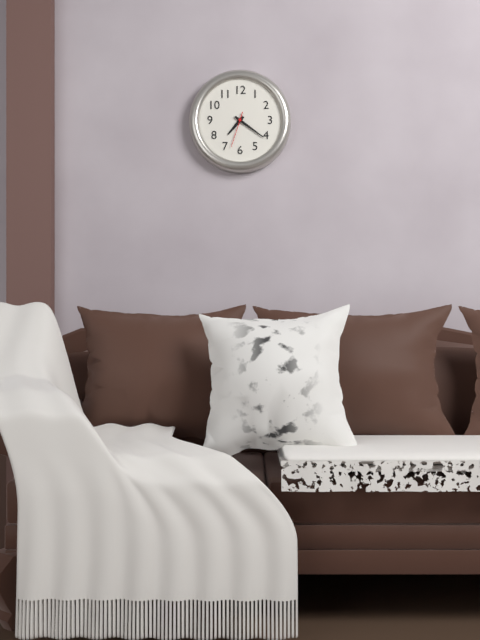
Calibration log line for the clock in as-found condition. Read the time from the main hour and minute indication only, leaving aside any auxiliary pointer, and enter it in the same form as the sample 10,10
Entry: 7,21
